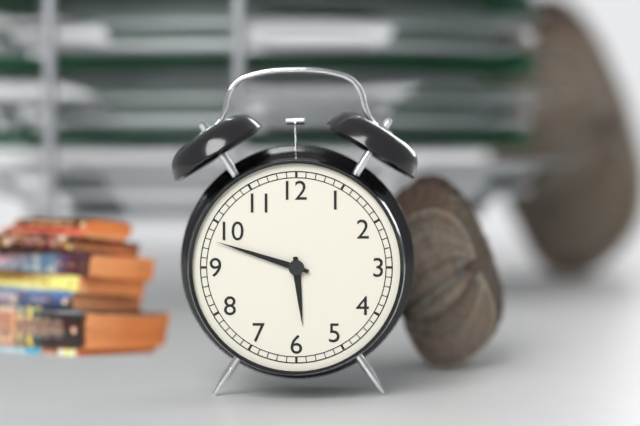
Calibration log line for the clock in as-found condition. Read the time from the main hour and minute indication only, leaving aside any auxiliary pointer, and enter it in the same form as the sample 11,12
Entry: 5,48
